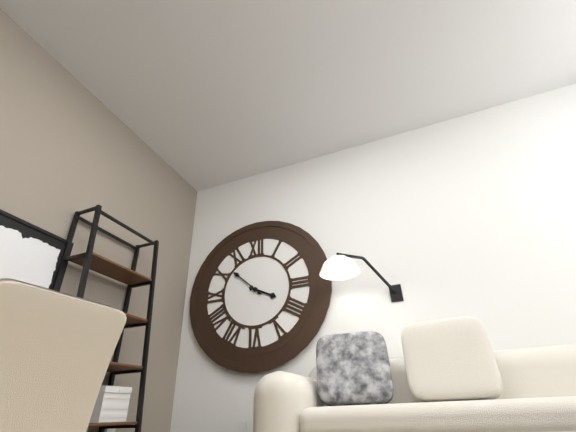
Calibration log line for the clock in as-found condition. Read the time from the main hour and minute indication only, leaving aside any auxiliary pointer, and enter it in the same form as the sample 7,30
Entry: 3,52
